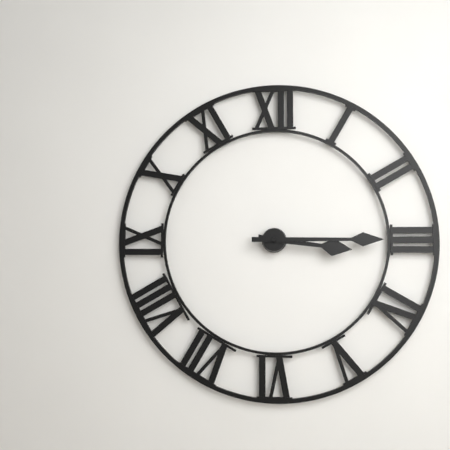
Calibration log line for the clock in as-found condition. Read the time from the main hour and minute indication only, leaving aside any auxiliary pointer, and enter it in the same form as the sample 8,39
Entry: 3,15
